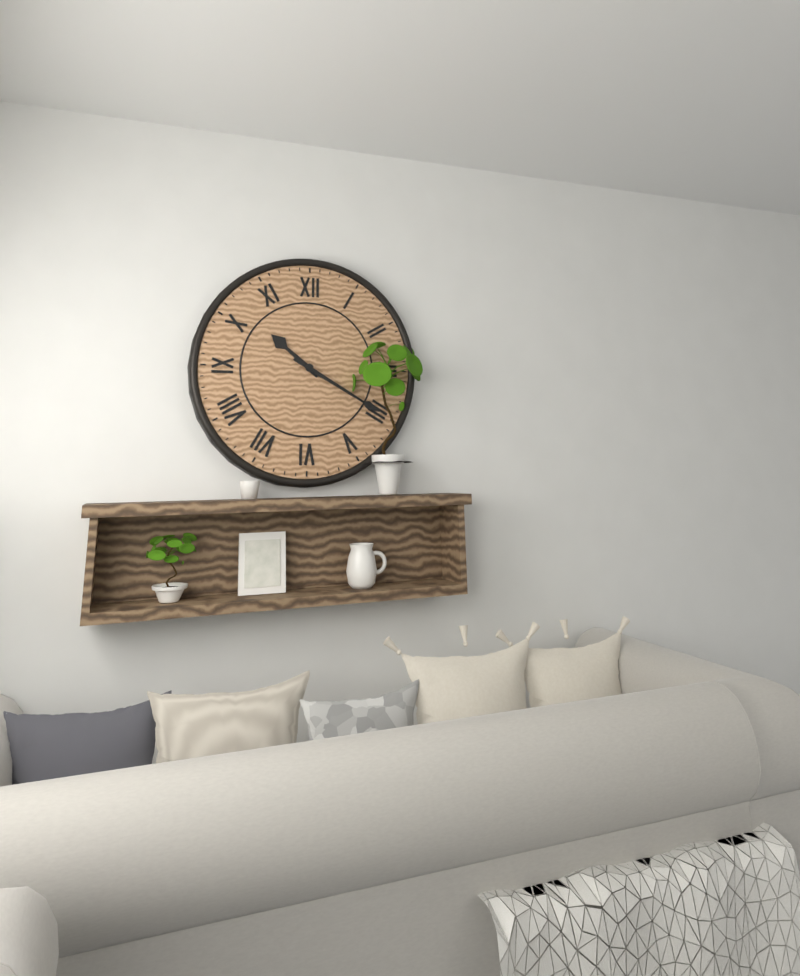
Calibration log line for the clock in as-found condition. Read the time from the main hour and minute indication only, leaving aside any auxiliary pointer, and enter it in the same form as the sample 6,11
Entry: 10,20
